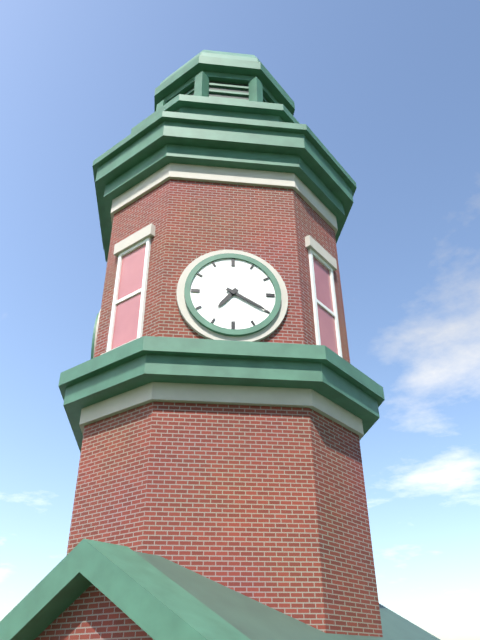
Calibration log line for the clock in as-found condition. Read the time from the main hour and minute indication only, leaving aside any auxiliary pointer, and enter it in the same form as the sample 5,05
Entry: 7,20
